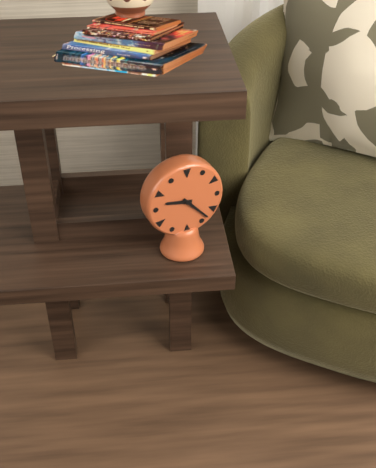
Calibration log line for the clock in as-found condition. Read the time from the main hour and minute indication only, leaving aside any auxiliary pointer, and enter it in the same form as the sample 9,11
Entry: 9,23
